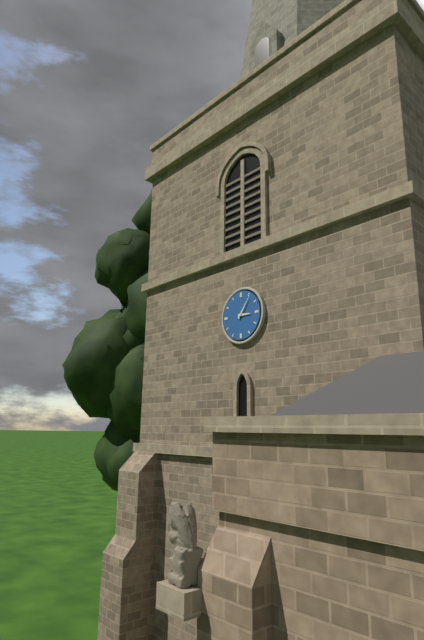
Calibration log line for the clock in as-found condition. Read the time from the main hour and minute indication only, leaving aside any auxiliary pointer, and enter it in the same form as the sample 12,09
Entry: 3,06
